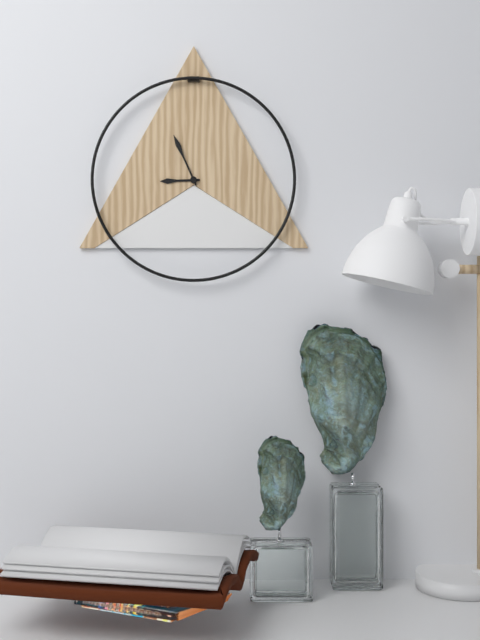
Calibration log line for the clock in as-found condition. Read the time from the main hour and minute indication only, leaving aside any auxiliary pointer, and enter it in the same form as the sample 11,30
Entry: 8,56
